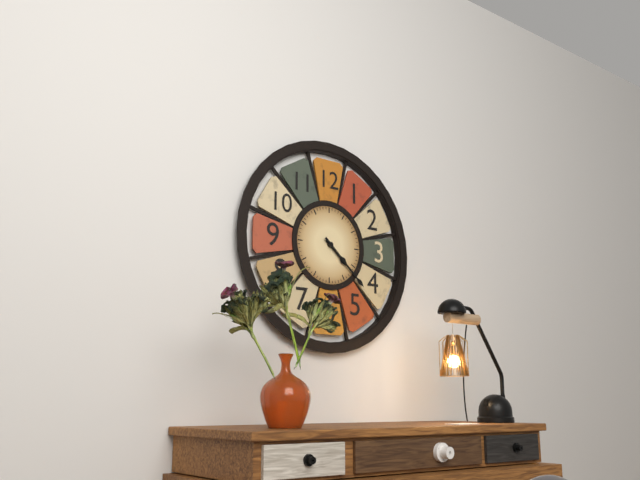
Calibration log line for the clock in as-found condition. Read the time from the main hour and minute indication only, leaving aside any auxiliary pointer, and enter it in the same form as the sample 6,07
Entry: 4,22
